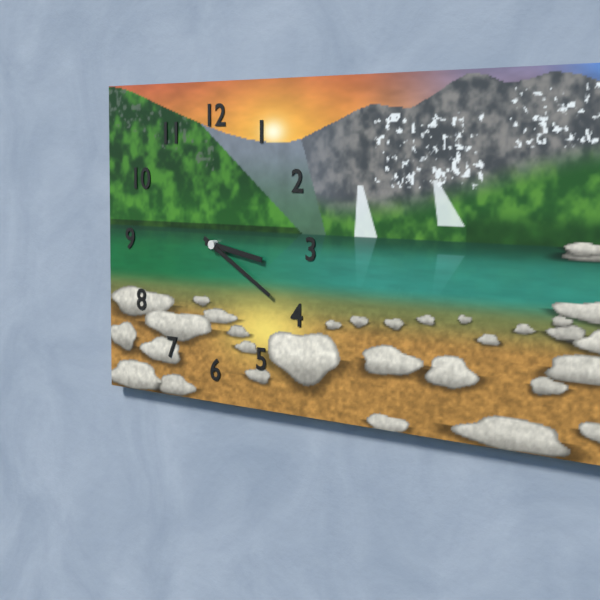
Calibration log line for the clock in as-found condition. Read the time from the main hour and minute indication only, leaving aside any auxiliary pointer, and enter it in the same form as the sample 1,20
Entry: 3,20
